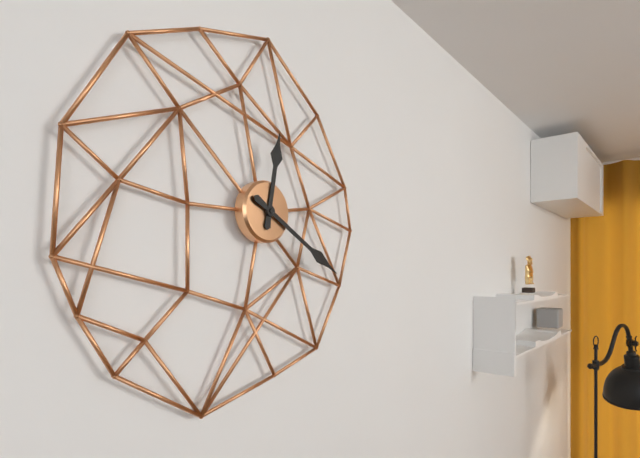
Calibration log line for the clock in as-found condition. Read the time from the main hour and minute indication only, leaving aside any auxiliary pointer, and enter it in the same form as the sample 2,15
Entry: 12,20
